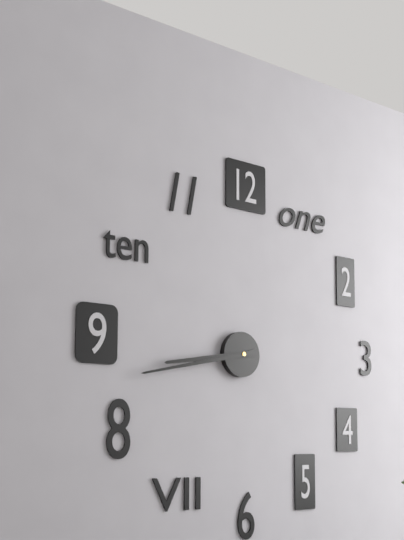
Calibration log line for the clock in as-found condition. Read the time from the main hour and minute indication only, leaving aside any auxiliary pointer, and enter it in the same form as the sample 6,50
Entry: 8,43
